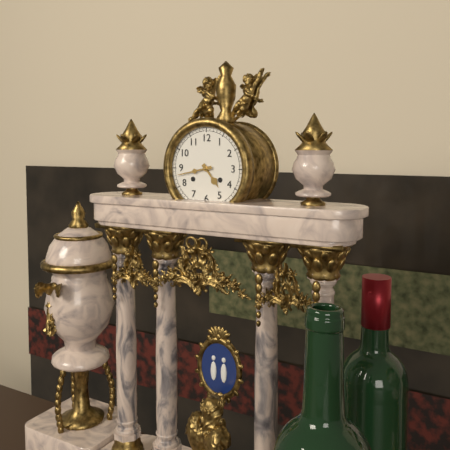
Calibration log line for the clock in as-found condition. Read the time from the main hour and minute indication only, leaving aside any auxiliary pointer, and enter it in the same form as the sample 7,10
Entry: 4,43
